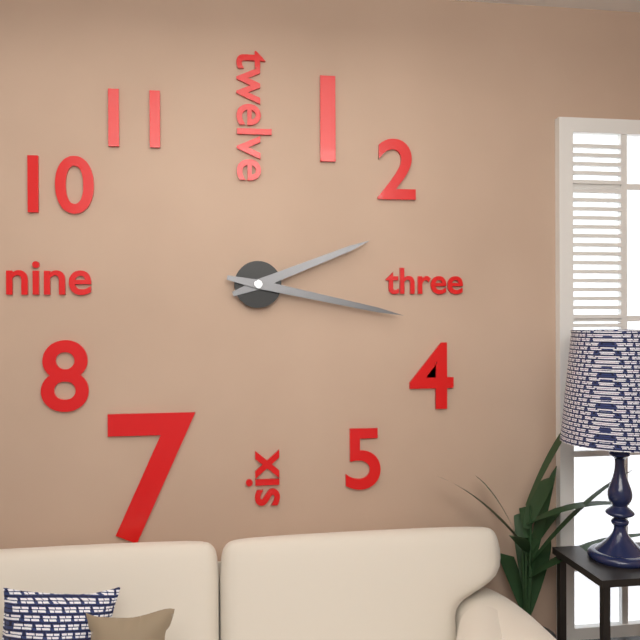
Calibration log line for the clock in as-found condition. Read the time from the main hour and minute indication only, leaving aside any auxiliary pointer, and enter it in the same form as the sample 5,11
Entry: 2,17
